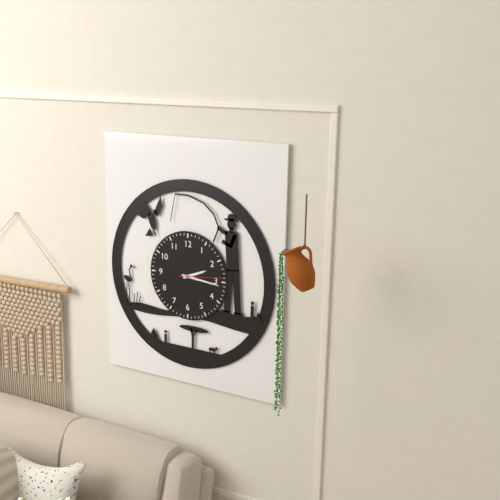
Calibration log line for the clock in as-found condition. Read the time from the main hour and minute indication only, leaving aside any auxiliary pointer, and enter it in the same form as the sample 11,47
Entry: 2,16
